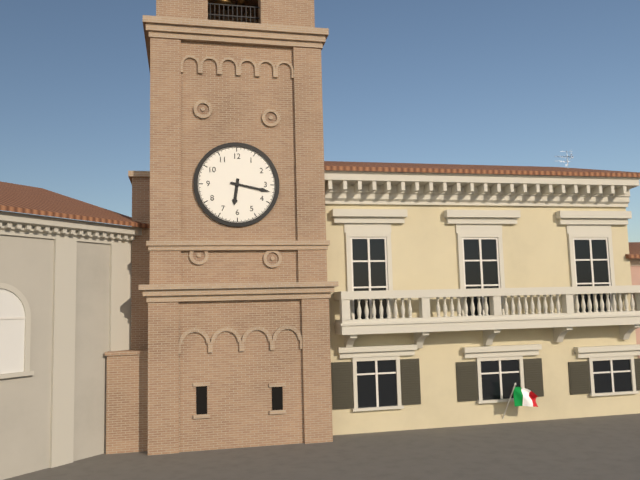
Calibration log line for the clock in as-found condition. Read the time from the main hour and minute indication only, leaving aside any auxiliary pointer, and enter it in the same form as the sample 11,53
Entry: 6,17
